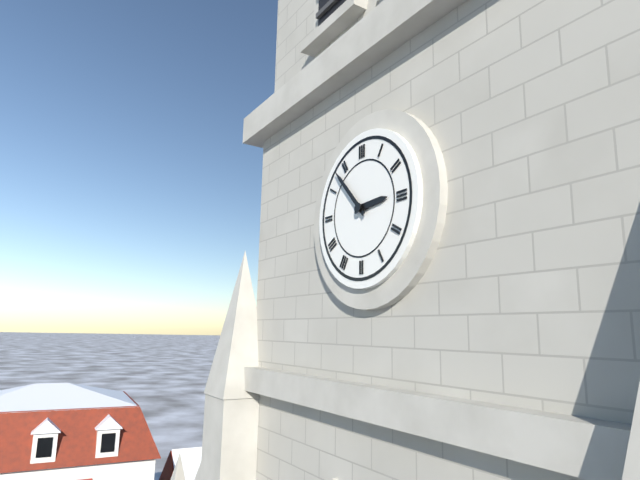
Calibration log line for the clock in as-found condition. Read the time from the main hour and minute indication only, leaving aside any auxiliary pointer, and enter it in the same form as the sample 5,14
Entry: 2,53
